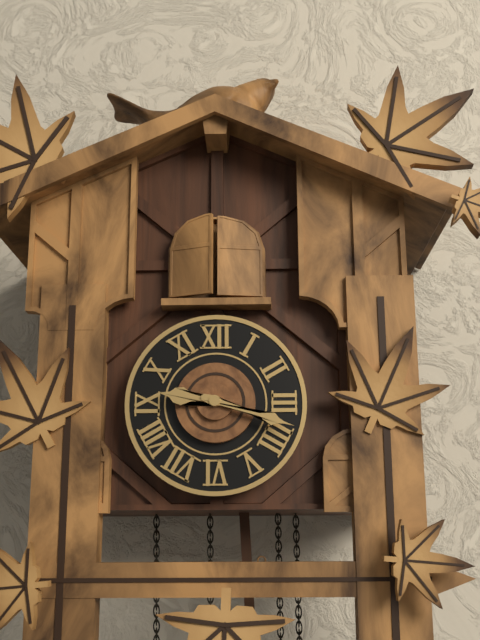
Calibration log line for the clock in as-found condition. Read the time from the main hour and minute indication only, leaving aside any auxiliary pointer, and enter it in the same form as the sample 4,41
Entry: 9,18
